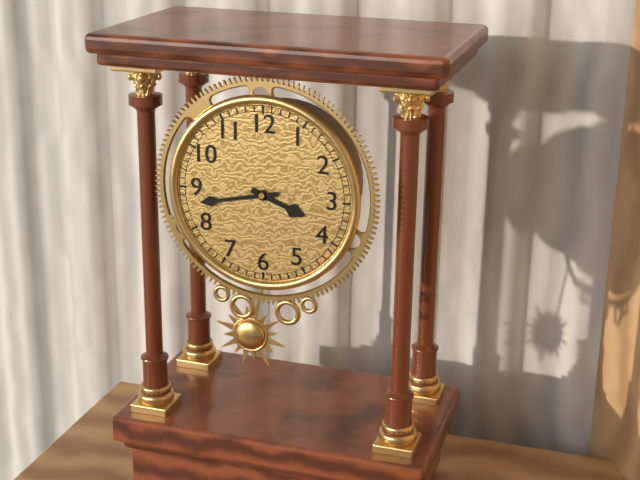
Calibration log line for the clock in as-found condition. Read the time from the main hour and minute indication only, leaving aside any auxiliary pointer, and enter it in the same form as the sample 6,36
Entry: 3,43
